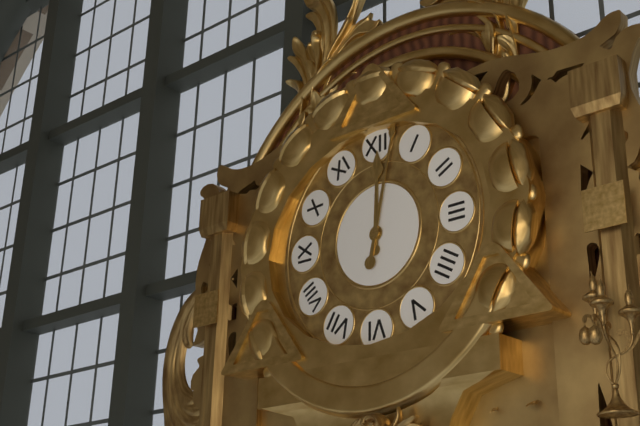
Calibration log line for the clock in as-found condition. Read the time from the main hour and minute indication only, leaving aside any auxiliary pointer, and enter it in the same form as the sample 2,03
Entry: 12,02
